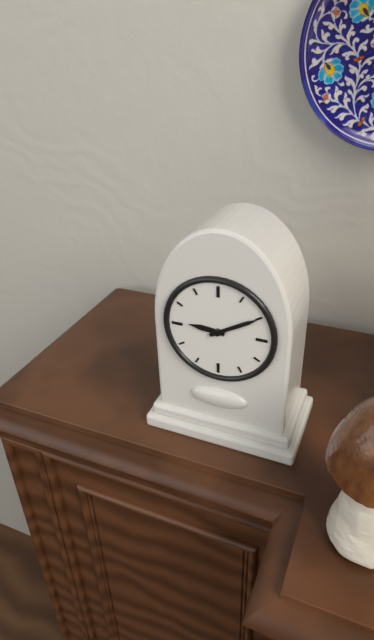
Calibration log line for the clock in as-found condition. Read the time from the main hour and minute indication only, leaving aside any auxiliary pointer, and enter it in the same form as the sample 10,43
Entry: 9,10
